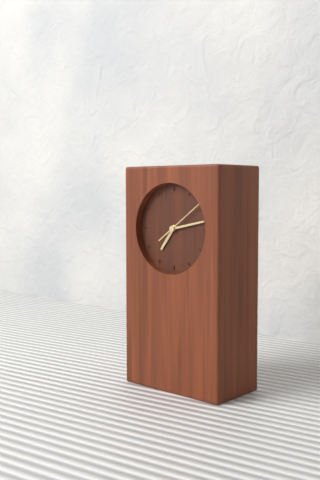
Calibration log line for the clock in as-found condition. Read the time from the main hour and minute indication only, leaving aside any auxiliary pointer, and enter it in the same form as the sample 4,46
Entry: 7,13
